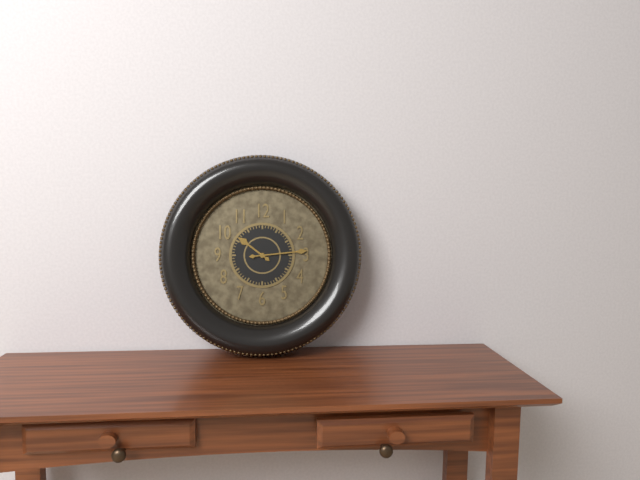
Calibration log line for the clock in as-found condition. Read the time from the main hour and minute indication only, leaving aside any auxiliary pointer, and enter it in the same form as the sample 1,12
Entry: 10,14
